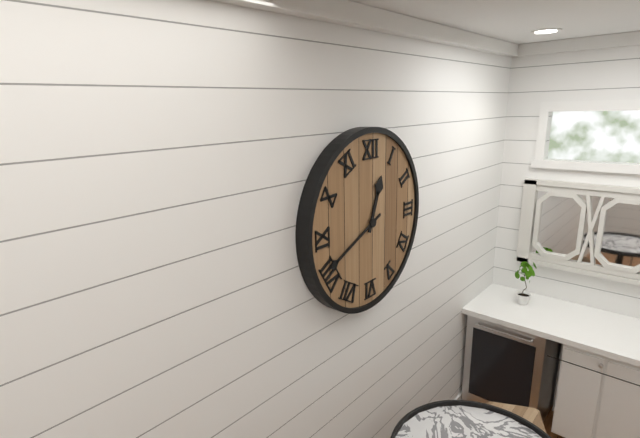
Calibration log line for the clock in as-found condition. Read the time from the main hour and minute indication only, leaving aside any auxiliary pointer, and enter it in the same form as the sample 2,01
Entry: 12,41
